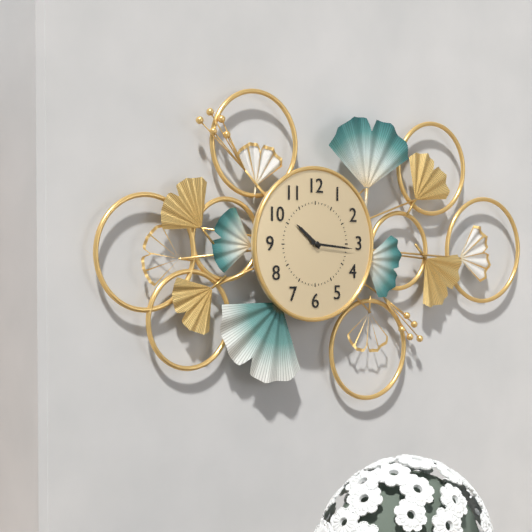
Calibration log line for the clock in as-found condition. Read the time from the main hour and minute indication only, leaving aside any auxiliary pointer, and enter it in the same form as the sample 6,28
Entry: 10,16
